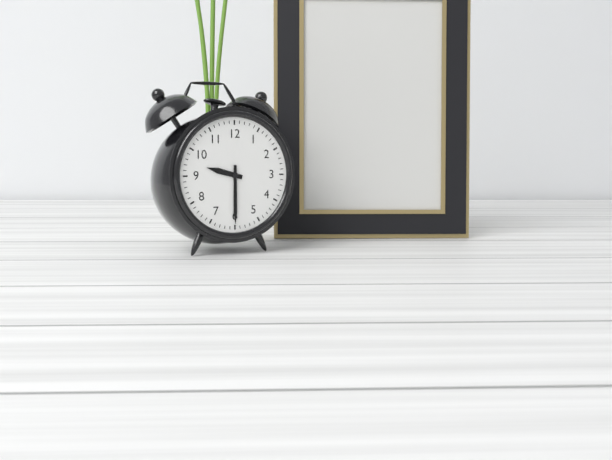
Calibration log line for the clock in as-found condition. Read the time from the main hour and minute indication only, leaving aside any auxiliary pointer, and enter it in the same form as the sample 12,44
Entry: 9,30
